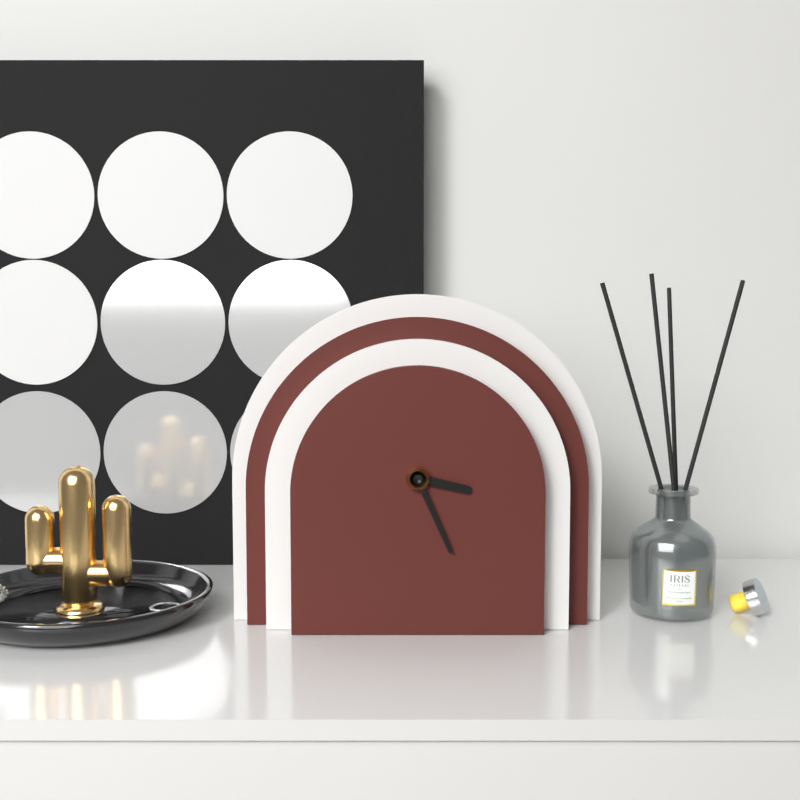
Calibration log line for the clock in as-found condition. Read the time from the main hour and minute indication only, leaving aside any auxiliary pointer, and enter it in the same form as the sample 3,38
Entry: 3,26
